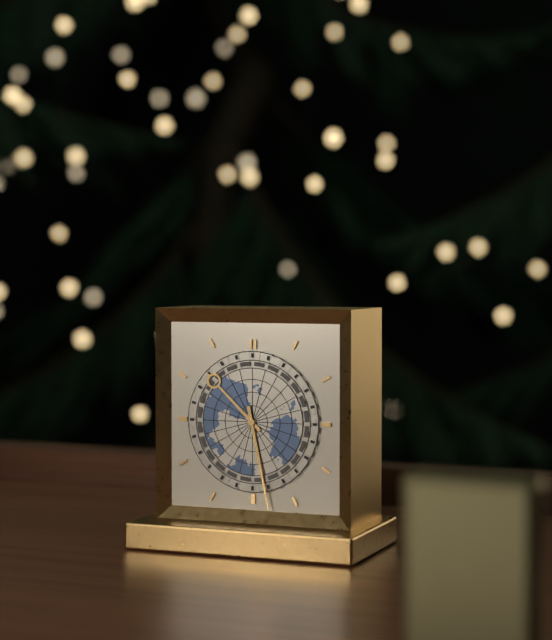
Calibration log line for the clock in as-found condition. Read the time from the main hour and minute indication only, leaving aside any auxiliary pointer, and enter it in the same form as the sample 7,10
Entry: 10,28
